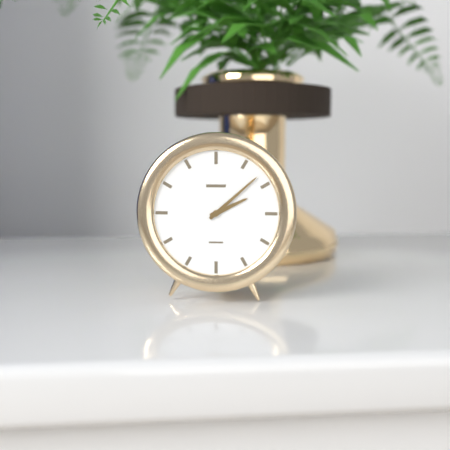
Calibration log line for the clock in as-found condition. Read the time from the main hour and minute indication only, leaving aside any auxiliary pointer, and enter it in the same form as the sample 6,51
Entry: 2,08
